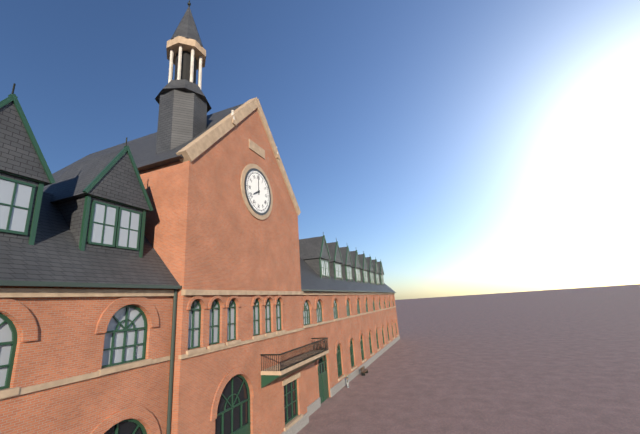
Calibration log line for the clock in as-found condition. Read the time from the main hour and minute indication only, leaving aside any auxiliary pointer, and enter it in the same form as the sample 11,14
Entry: 8,00
